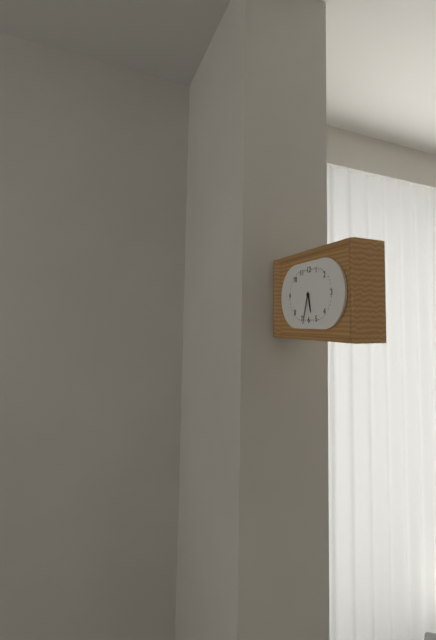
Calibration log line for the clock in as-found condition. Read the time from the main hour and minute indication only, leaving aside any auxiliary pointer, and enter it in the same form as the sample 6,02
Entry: 5,33
